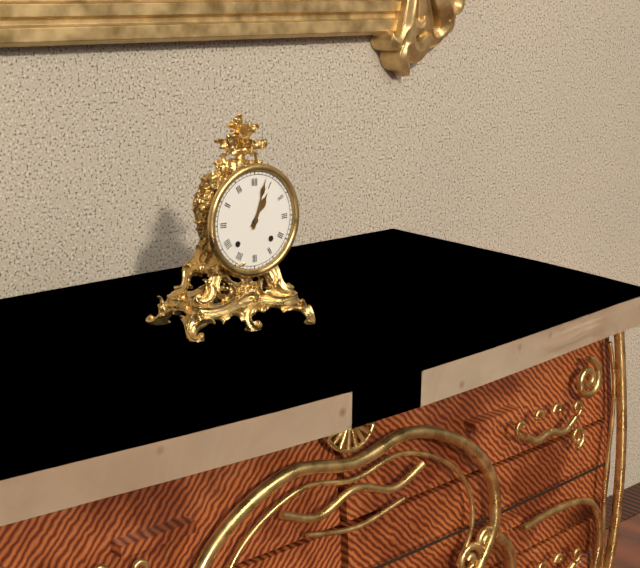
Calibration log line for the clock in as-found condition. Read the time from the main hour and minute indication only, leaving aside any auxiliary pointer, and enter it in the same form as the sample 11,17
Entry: 1,03
